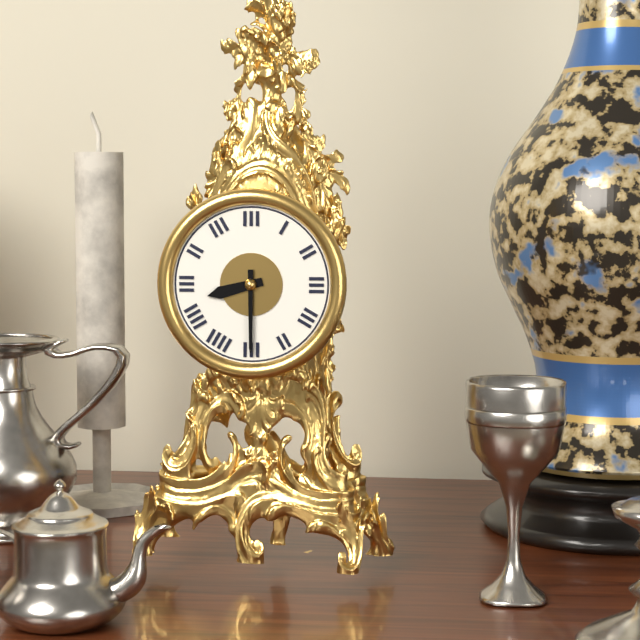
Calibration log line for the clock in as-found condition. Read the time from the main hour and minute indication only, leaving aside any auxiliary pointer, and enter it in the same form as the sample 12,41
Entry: 8,30
